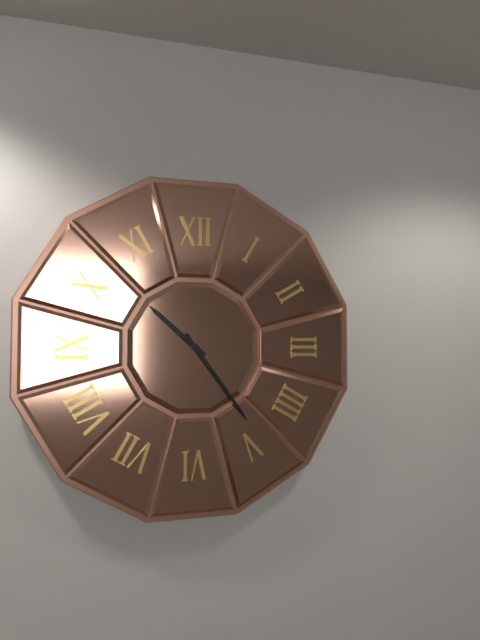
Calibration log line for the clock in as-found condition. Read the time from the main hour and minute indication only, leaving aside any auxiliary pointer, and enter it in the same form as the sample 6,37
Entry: 10,24
